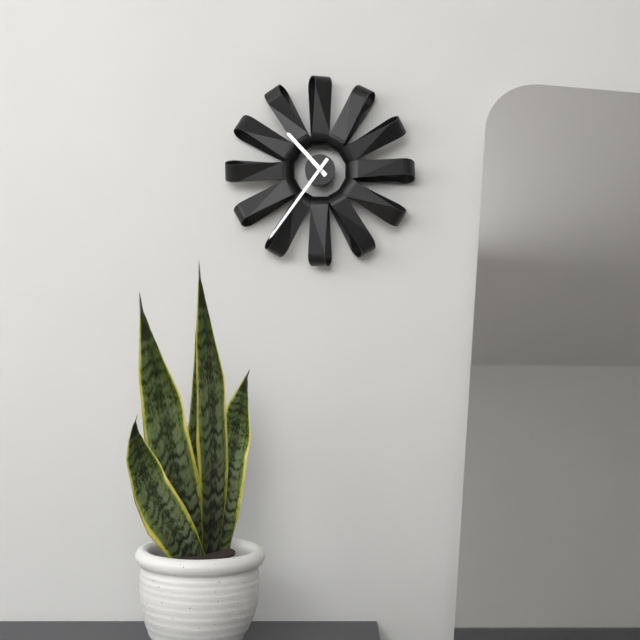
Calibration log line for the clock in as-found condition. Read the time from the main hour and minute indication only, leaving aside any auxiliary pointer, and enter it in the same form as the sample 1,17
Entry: 10,36
